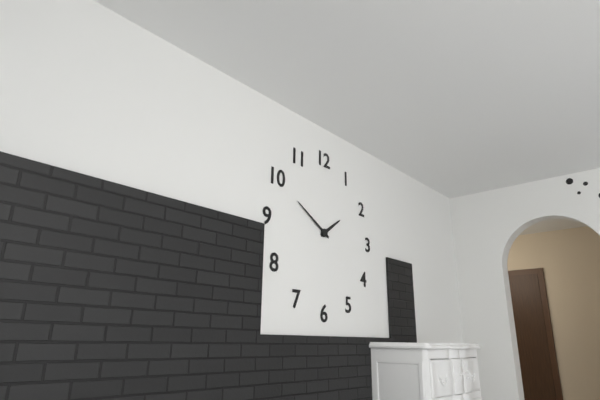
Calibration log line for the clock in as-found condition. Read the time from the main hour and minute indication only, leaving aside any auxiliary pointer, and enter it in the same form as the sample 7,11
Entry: 1,50
